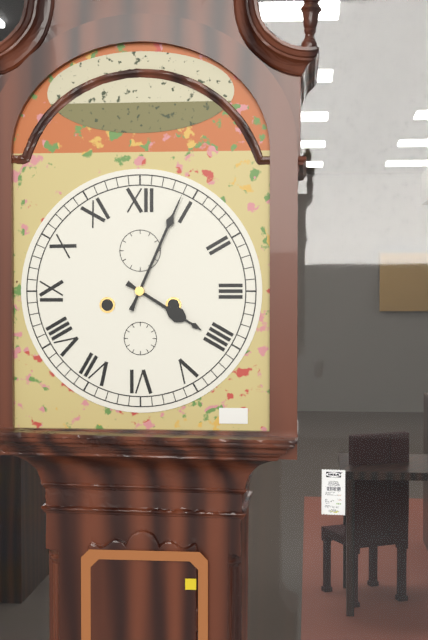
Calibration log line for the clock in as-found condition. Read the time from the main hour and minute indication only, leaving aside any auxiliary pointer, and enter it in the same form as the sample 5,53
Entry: 4,04
